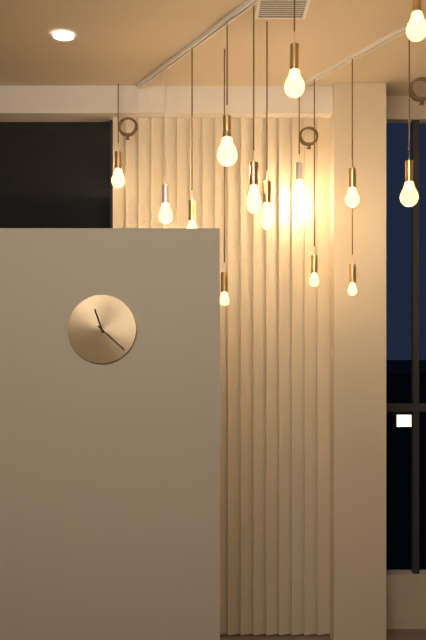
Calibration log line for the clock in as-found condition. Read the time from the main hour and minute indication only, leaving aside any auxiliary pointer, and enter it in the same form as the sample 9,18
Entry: 11,22
